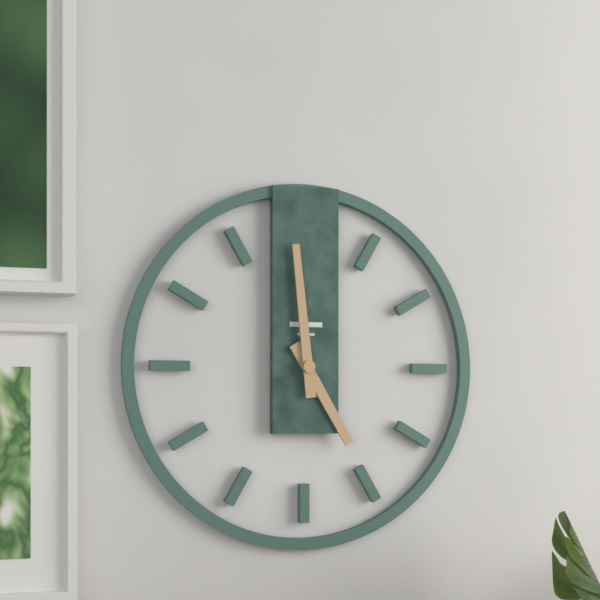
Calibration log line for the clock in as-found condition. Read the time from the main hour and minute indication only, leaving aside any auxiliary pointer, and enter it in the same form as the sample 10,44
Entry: 4,59
